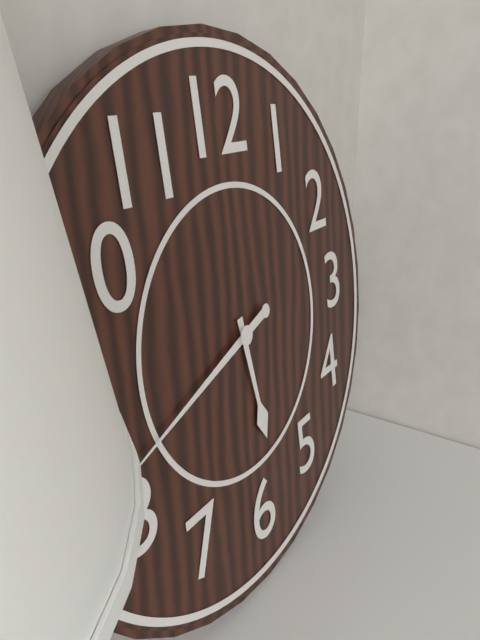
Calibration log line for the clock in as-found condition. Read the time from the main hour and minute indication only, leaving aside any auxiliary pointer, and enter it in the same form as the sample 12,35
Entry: 5,42
